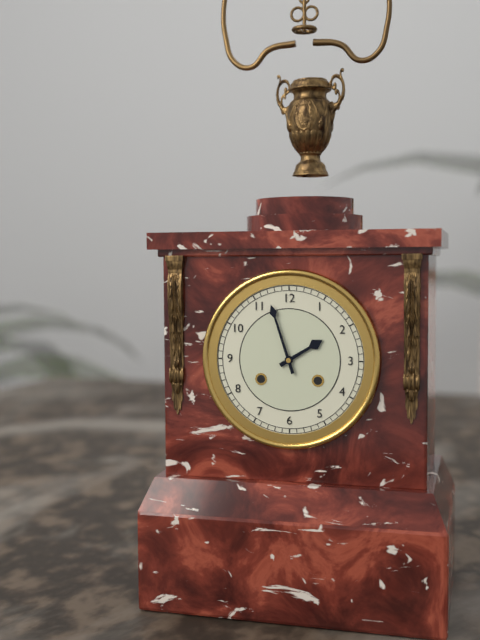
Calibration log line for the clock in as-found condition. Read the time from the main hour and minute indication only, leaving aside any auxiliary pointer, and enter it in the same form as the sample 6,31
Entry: 1,57
